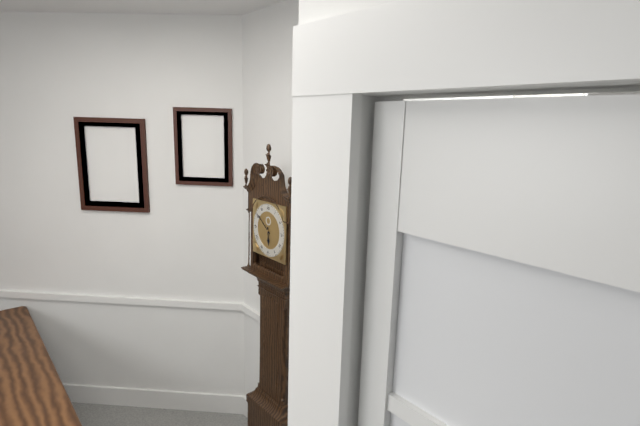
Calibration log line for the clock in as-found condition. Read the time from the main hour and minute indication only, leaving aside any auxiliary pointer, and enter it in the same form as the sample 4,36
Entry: 5,51
